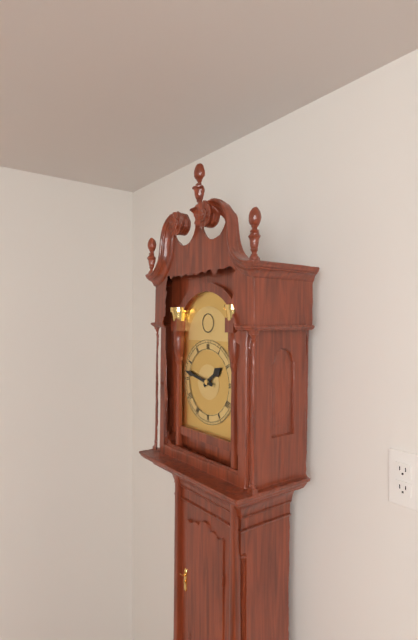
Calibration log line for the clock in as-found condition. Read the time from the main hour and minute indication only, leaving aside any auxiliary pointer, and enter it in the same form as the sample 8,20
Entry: 1,47
